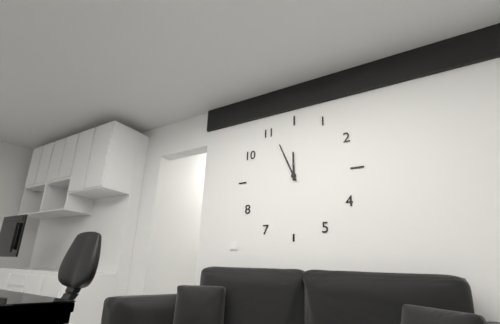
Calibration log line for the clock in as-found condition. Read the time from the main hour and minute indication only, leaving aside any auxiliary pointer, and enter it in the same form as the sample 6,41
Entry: 11,56
